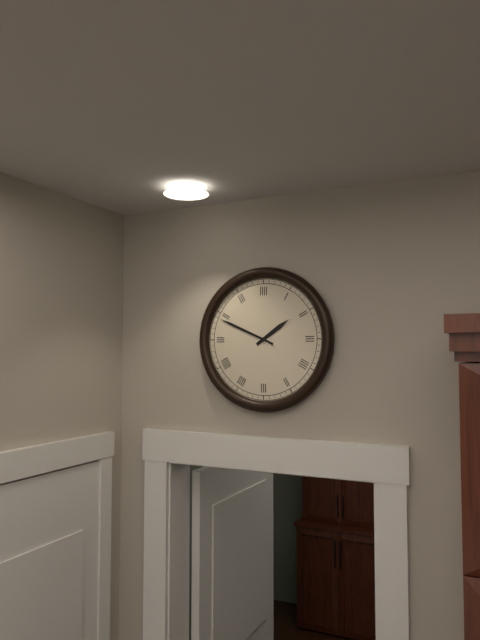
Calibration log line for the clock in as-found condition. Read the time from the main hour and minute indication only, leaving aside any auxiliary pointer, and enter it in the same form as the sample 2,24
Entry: 1,49
